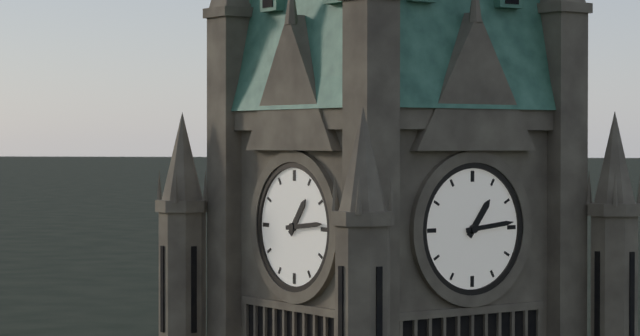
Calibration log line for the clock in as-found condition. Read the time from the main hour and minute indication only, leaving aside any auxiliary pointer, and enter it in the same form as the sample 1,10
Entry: 1,14
